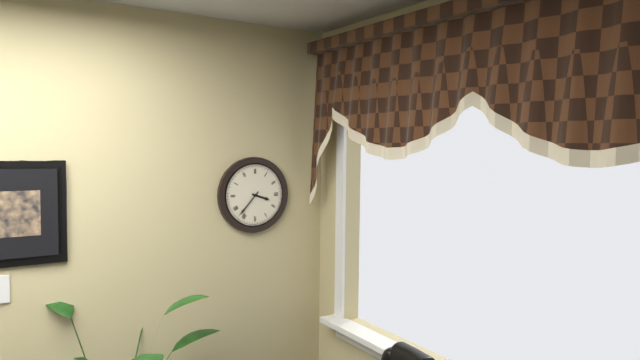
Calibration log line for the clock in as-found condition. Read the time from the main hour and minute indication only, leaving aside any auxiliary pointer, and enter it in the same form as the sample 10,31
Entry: 3,37
